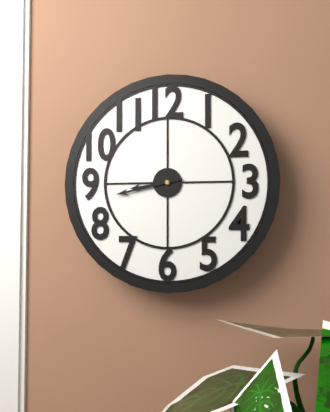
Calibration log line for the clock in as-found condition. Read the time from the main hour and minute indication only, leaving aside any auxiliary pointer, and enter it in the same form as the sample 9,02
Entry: 8,43
